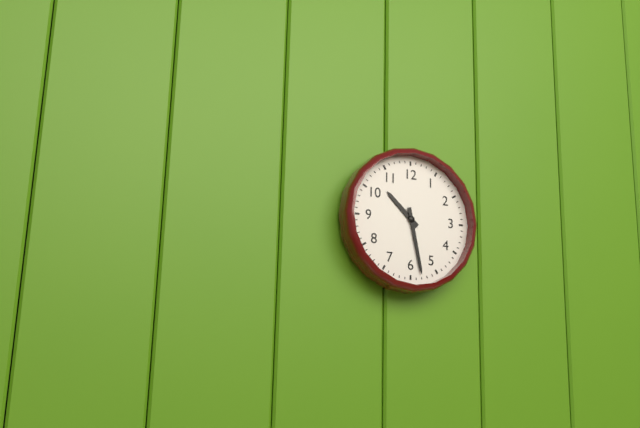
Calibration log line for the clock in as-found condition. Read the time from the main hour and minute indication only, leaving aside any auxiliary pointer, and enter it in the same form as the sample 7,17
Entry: 10,28
